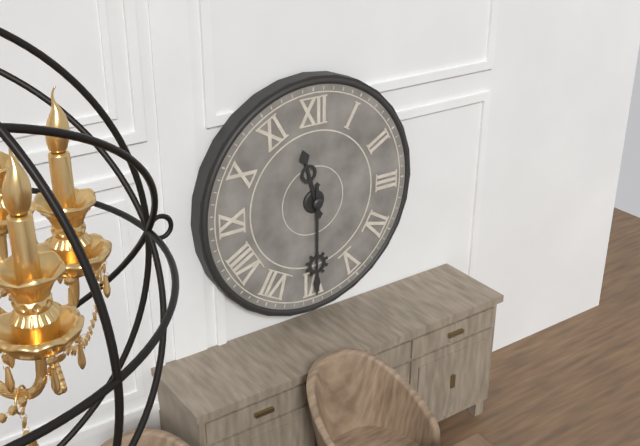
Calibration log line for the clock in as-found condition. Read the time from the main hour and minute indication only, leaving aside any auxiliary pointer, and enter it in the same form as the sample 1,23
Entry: 11,30
